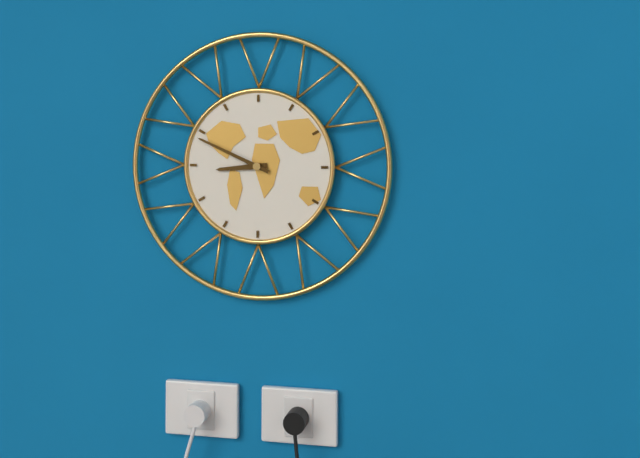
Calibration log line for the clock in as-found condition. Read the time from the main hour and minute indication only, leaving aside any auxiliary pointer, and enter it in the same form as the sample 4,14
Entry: 8,49
